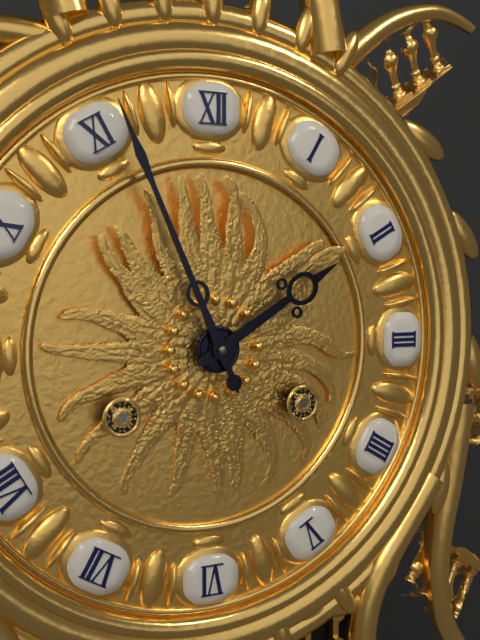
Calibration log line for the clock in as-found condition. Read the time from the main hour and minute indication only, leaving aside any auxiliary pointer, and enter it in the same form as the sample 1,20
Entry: 1,56
